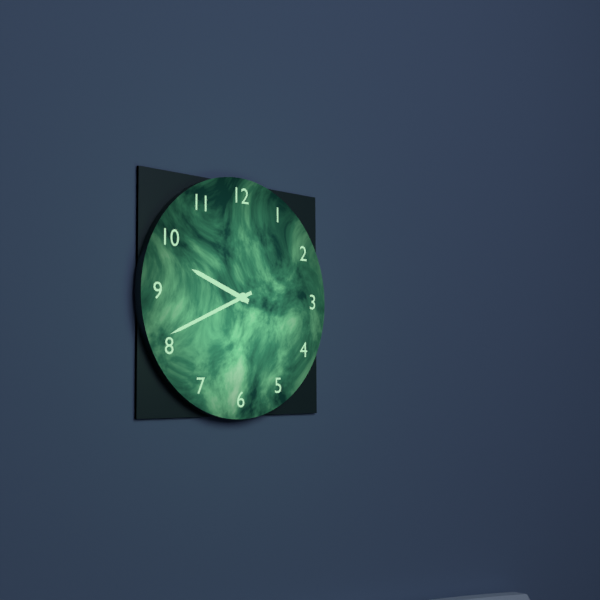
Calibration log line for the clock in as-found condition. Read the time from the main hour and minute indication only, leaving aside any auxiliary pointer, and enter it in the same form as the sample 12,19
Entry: 9,41
